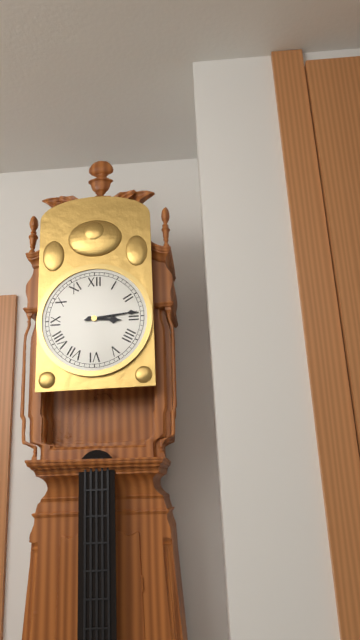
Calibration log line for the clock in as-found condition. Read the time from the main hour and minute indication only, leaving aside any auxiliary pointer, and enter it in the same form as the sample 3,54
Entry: 3,14
